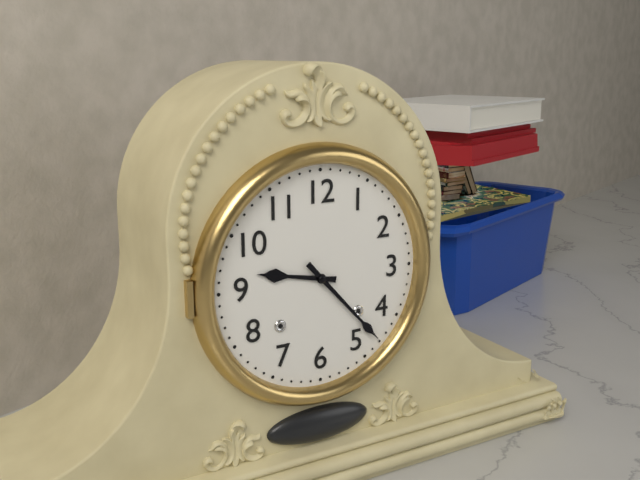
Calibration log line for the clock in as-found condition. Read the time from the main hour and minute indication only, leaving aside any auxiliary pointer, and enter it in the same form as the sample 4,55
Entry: 9,23
